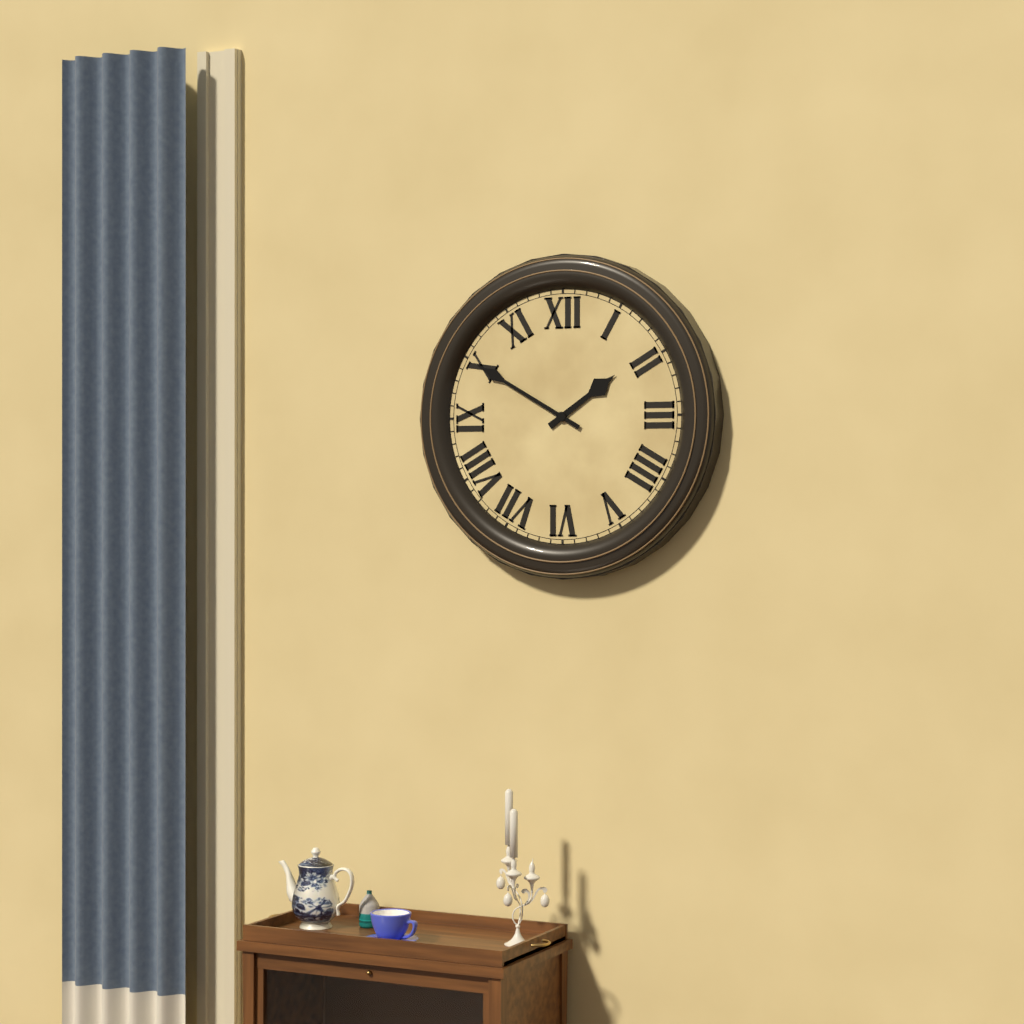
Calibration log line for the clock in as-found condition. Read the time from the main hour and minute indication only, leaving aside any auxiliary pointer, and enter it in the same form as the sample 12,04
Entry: 1,50
